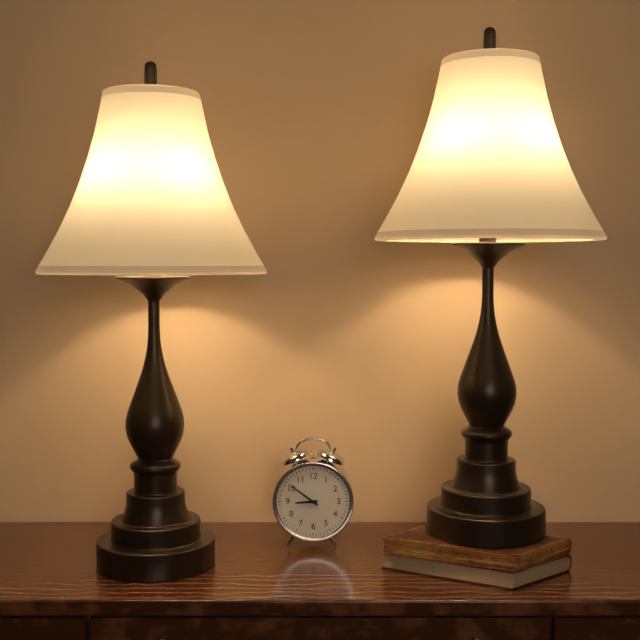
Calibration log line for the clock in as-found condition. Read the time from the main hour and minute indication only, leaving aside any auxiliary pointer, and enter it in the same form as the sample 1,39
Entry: 8,51
